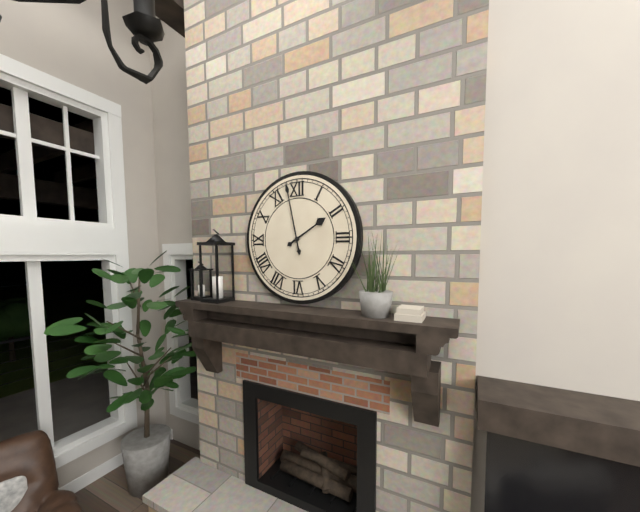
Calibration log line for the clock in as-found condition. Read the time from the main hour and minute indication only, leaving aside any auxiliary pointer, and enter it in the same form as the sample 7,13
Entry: 1,58
